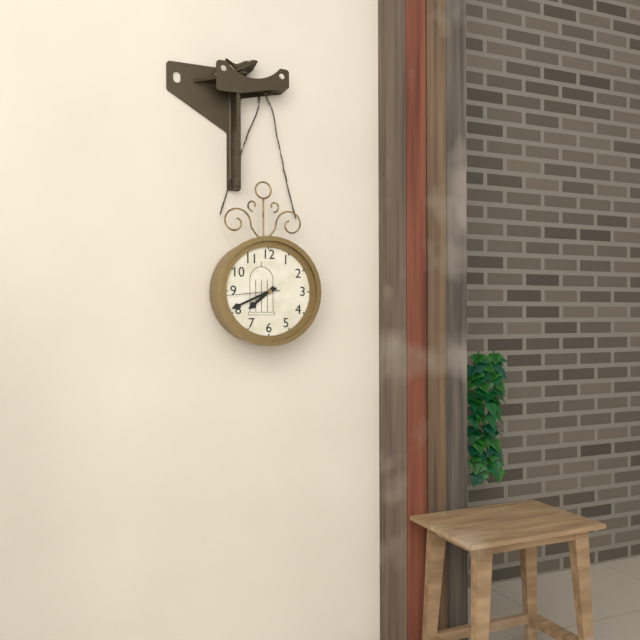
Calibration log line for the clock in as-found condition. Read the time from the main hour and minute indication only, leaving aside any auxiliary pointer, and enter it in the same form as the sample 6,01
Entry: 7,41
